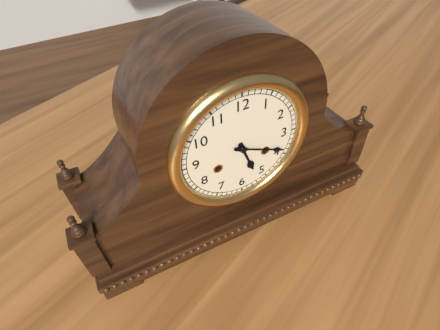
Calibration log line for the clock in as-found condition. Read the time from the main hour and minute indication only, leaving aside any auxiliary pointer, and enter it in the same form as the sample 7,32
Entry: 5,19
